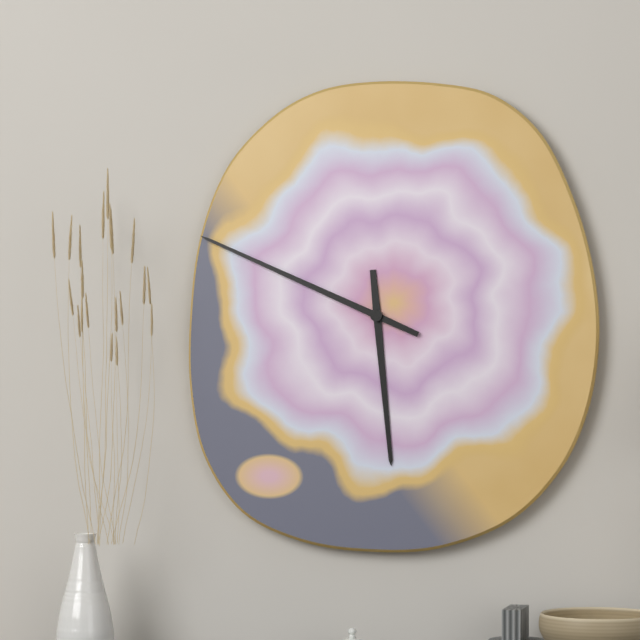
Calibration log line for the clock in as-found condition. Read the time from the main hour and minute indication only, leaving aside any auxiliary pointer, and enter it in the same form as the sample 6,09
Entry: 5,49
